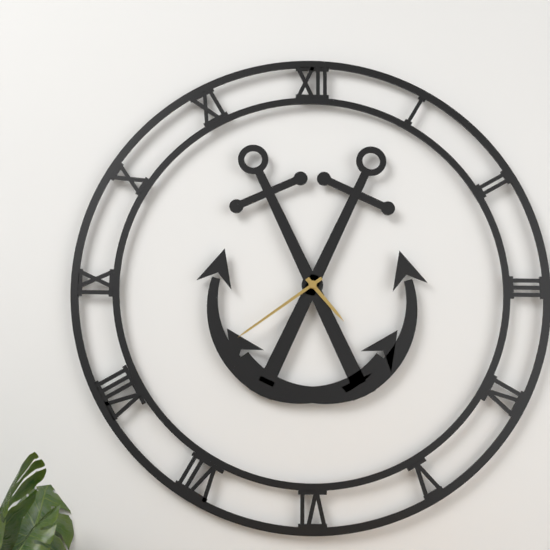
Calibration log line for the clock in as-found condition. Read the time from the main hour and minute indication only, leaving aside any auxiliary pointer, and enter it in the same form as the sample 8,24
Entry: 4,39
